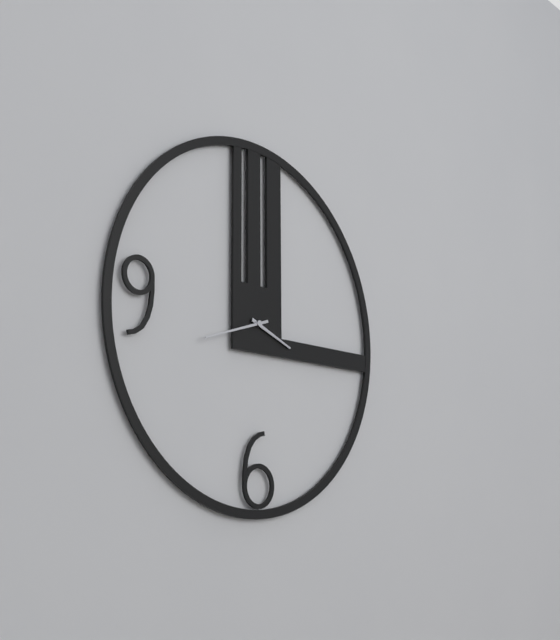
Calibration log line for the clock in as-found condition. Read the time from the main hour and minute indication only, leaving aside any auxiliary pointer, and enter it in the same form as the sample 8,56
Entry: 3,42
